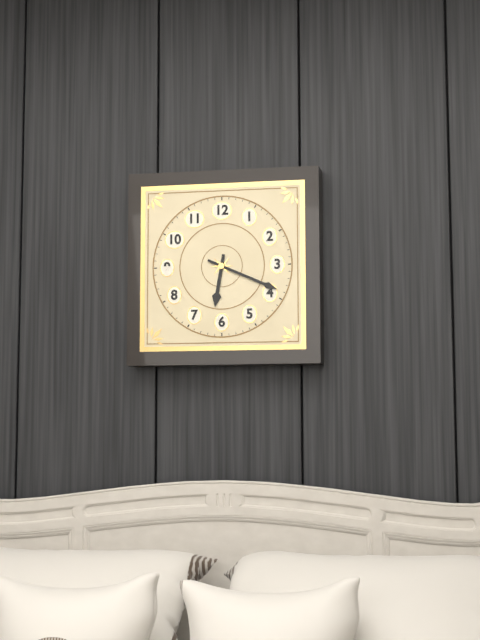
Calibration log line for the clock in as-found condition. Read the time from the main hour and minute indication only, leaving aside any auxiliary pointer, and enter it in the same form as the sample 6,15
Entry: 6,19
